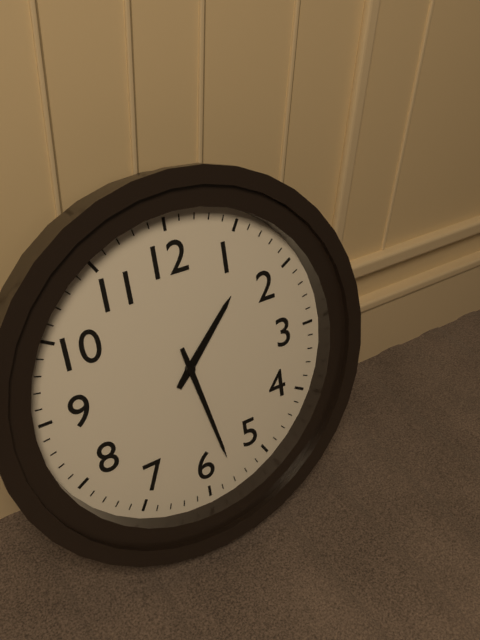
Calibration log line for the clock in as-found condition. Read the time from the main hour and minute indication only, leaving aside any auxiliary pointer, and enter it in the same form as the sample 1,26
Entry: 1,28
